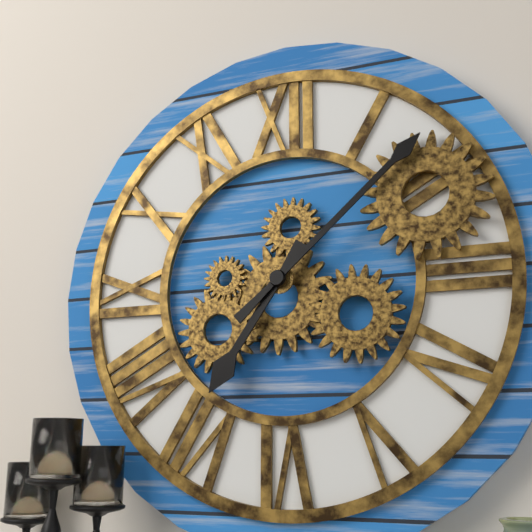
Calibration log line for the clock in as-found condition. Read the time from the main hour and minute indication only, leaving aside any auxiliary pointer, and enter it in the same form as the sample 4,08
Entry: 7,08
